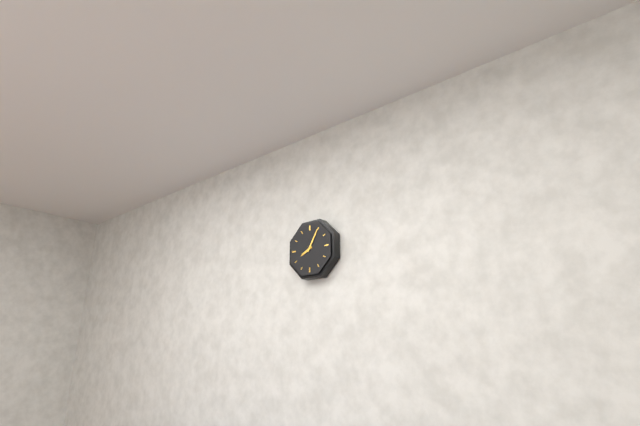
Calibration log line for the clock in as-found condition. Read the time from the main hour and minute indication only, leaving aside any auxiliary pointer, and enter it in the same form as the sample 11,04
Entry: 8,05
